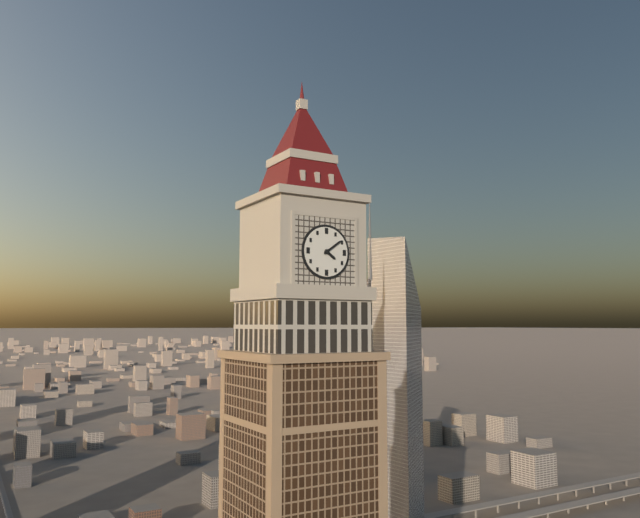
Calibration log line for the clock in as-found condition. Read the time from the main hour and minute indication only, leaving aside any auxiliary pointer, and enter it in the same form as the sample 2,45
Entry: 4,09
